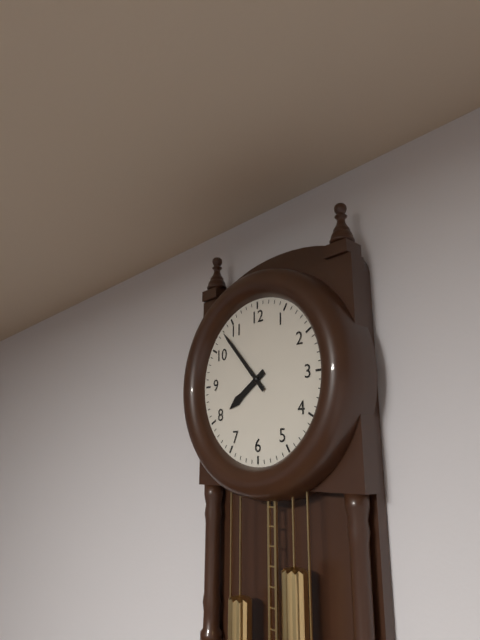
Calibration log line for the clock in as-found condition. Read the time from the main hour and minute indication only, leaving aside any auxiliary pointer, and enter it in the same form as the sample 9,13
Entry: 7,53
